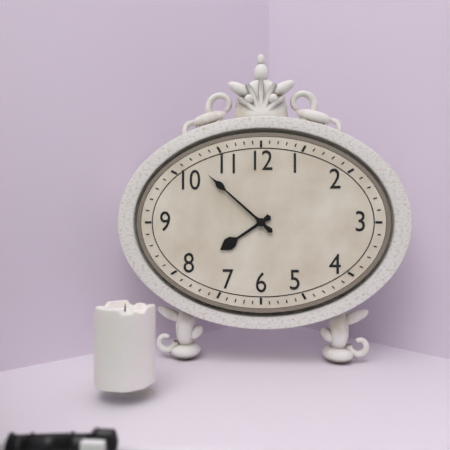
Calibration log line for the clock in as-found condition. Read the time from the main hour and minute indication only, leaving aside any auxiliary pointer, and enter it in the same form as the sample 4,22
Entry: 7,52
